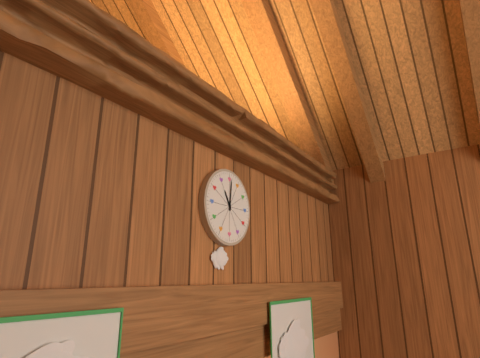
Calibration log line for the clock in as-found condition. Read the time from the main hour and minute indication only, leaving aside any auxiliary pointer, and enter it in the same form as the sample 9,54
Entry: 11,01
